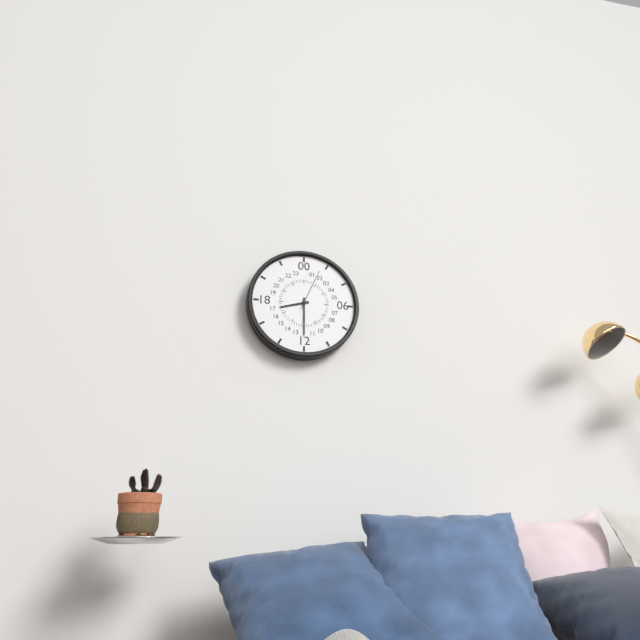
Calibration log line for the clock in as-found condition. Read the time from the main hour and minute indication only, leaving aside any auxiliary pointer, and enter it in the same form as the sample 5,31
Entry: 8,30
